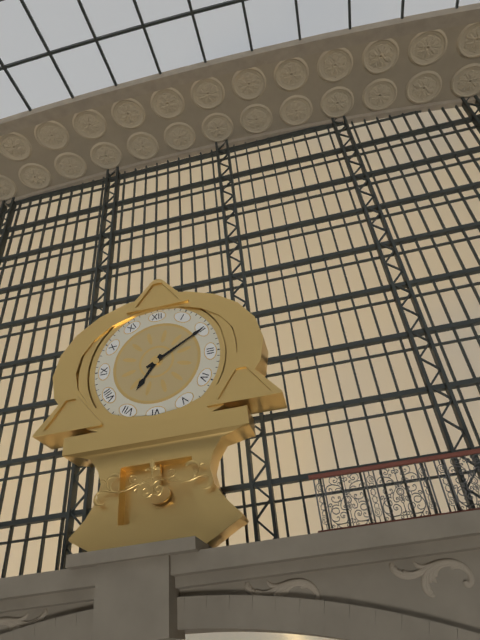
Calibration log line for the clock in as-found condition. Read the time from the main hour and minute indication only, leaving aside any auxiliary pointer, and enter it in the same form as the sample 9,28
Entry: 7,10
